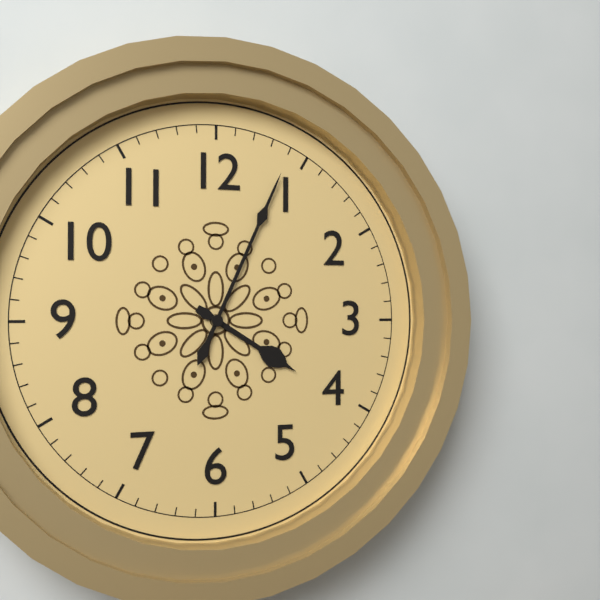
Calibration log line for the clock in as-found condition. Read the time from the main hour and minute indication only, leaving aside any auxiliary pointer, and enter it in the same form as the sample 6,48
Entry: 4,04
